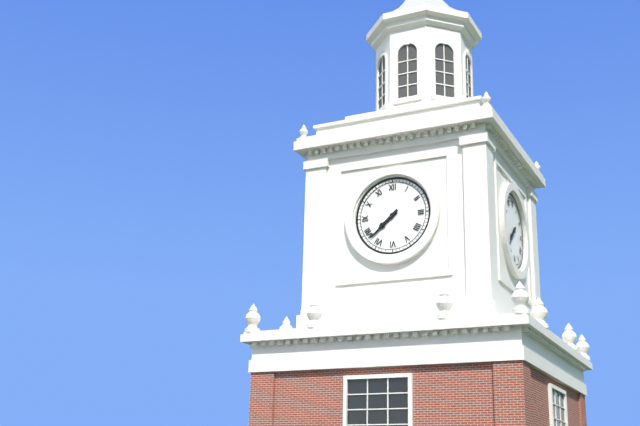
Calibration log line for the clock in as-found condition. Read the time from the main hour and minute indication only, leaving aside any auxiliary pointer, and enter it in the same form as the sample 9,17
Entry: 7,38
